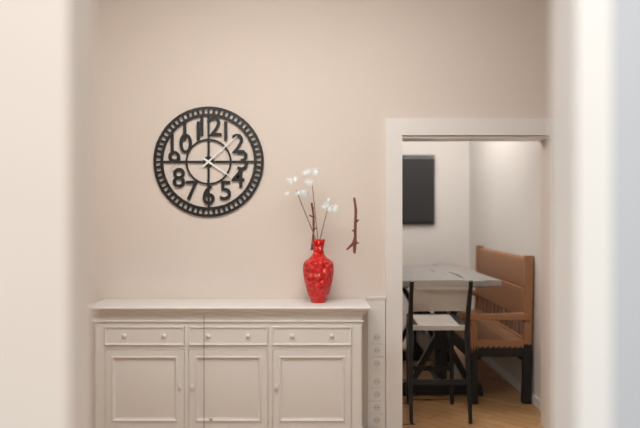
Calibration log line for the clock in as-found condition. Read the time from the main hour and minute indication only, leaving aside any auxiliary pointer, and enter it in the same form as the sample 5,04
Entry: 4,08
